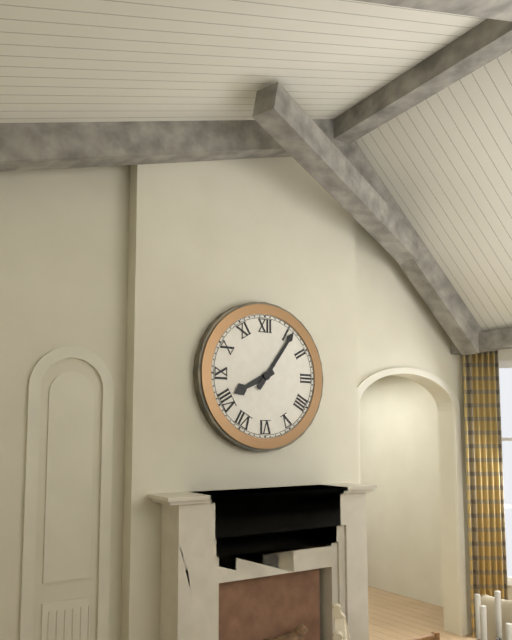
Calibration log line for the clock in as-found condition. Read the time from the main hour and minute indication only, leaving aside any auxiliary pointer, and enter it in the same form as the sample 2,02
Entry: 8,06
